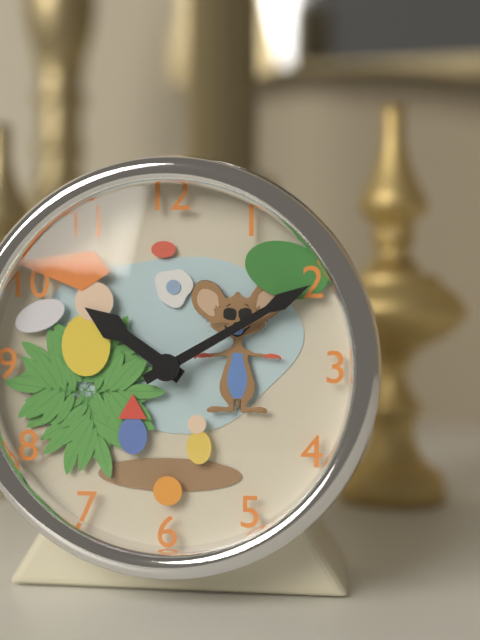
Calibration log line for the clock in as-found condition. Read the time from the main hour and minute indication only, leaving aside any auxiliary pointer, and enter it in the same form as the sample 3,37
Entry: 10,10
